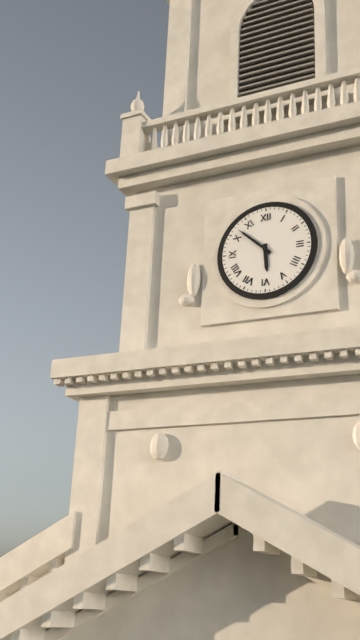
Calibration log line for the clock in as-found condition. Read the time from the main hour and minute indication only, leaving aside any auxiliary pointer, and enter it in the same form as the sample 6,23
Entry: 5,52
